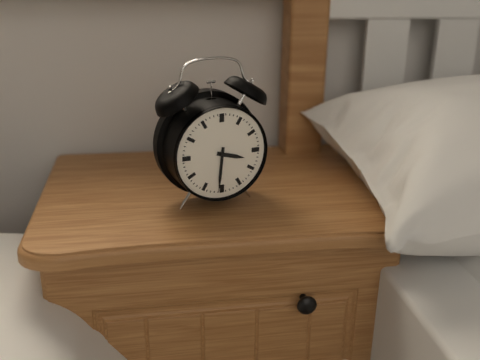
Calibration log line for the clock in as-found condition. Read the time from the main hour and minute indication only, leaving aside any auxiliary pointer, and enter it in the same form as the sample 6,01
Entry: 3,31
